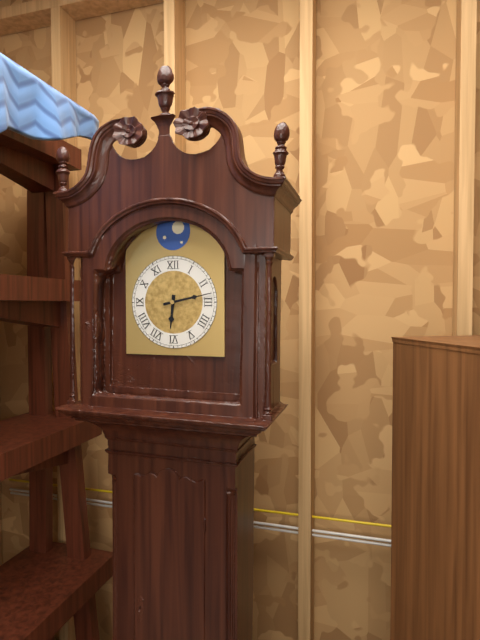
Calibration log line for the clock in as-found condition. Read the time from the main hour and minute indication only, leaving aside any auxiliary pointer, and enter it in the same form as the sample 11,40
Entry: 6,13
